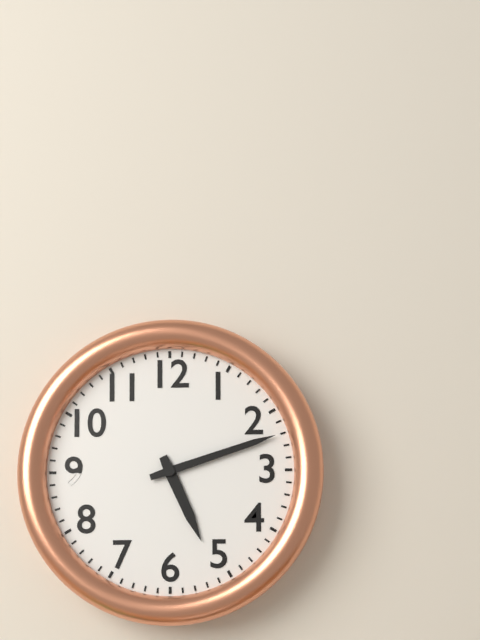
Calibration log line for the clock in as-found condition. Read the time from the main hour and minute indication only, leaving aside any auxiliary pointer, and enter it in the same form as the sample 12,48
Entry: 5,12
